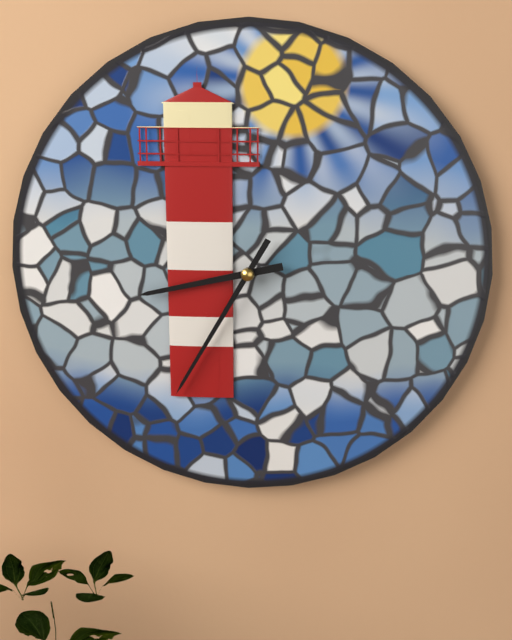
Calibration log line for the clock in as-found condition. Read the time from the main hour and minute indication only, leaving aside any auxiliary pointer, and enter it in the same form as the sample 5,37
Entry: 8,35
